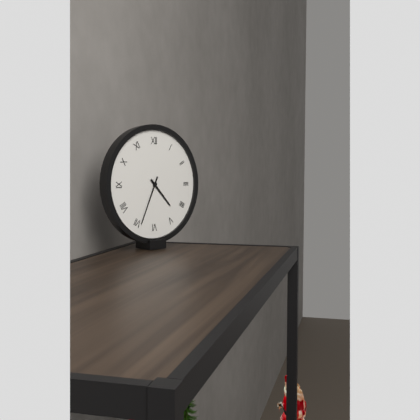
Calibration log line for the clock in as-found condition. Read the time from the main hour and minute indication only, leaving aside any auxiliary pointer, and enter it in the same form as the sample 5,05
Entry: 4,34
